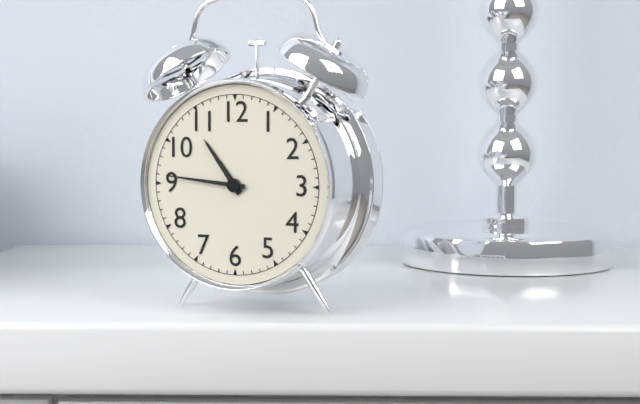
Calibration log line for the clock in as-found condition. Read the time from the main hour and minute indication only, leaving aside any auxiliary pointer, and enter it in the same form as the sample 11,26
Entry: 10,46
